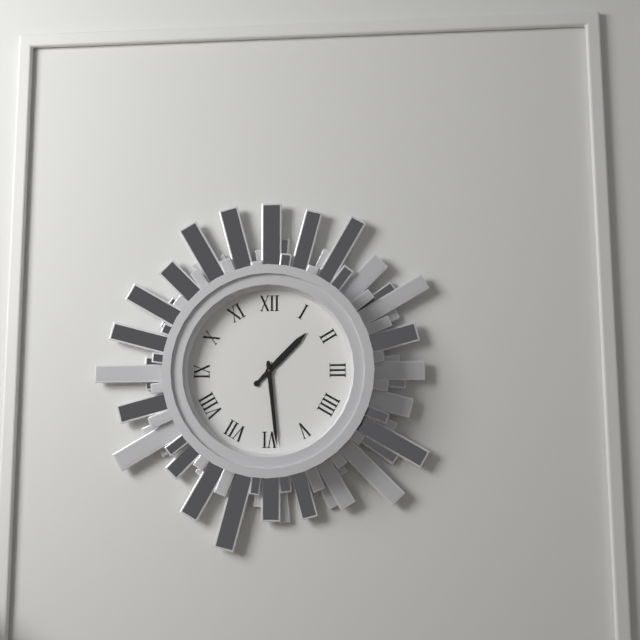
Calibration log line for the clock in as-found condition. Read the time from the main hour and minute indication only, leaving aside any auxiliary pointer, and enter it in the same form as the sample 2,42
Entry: 1,29
